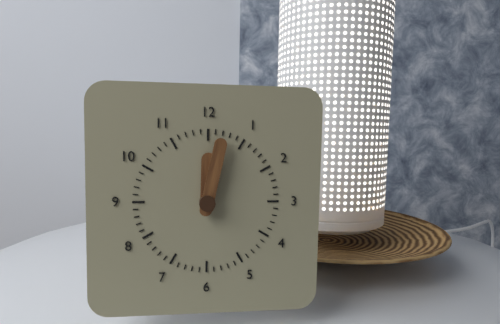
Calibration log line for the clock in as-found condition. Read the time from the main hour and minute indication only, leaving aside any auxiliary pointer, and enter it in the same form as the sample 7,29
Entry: 12,02
